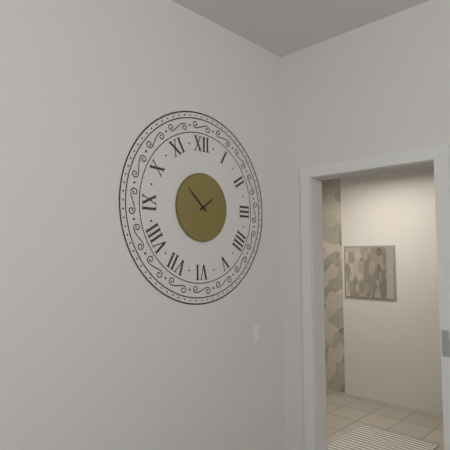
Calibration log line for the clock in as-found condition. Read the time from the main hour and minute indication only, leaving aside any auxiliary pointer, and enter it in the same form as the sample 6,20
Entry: 1,52
